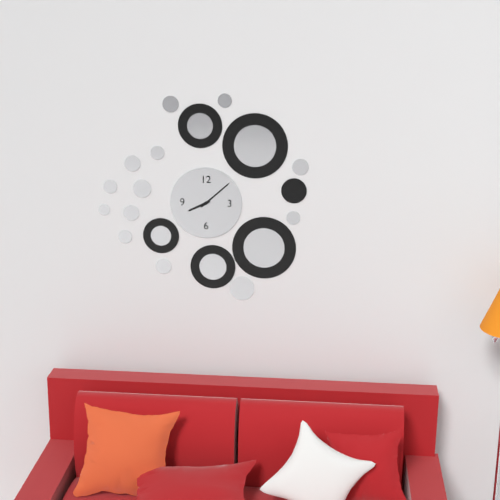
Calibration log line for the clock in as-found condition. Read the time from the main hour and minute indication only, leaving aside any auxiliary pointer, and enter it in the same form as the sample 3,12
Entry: 8,08
